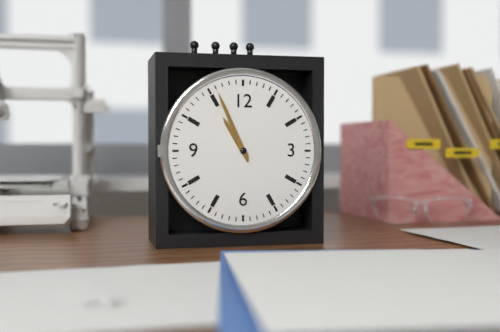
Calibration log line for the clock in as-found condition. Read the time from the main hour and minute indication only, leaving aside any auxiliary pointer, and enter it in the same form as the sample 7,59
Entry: 10,56
